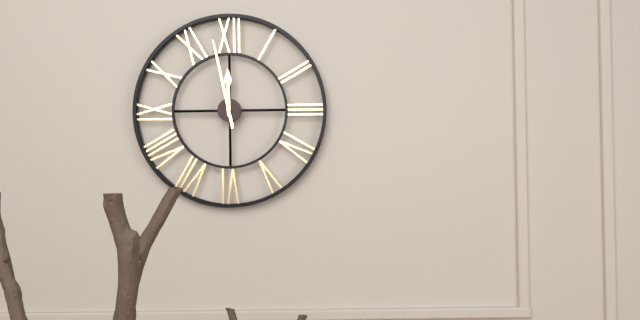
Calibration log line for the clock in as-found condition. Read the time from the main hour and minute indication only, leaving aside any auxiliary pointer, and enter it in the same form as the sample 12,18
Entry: 11,58
